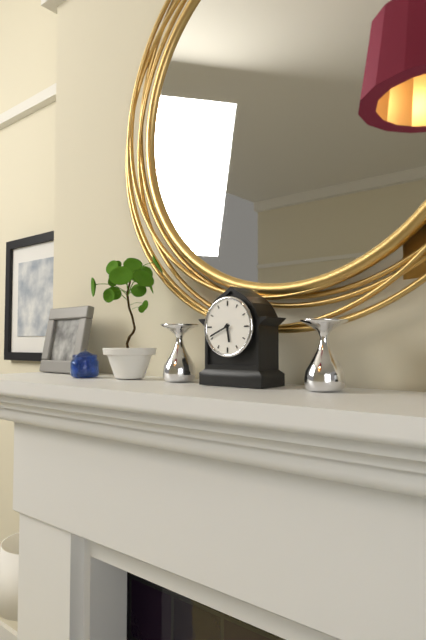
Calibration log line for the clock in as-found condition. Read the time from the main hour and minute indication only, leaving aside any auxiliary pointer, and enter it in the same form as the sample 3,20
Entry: 5,41
